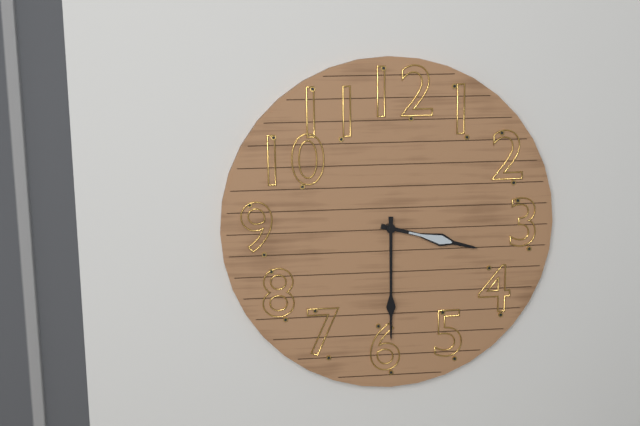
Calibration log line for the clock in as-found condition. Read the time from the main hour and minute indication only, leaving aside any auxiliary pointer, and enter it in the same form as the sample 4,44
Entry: 3,30
